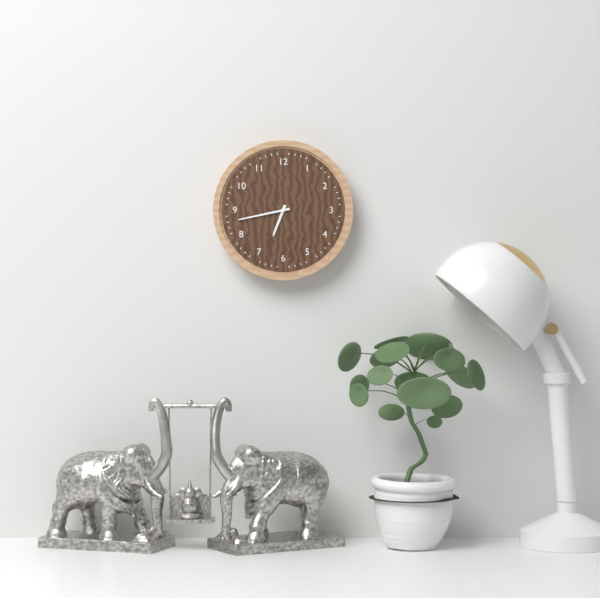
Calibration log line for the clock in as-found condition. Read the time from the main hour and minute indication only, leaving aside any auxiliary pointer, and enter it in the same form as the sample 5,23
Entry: 6,43
